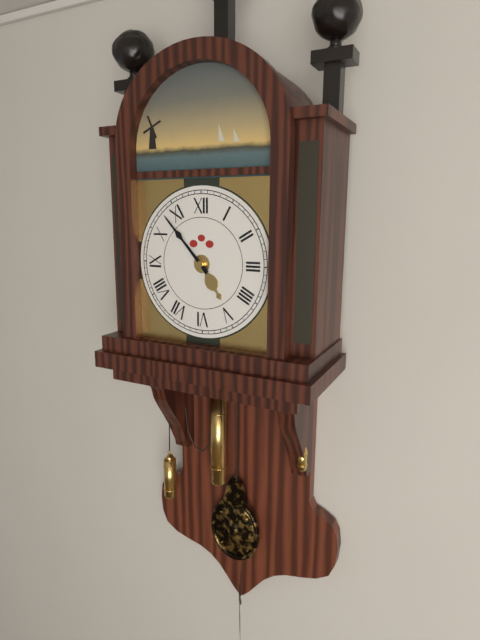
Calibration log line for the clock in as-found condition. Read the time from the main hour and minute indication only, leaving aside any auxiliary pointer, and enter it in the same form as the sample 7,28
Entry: 4,53
